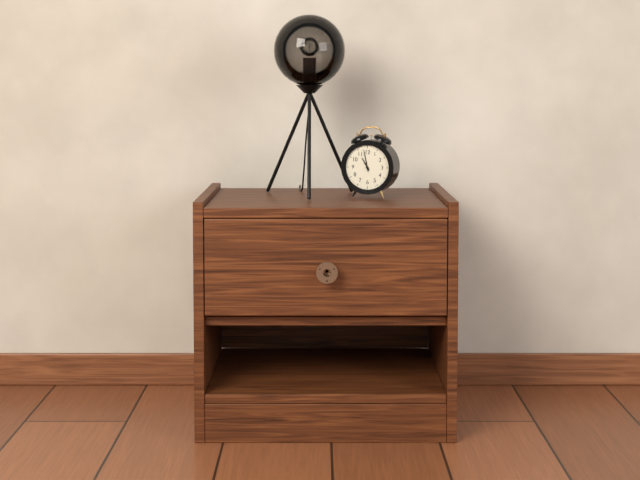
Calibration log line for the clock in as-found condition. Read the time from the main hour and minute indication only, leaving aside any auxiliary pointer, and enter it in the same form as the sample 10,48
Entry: 10,58
